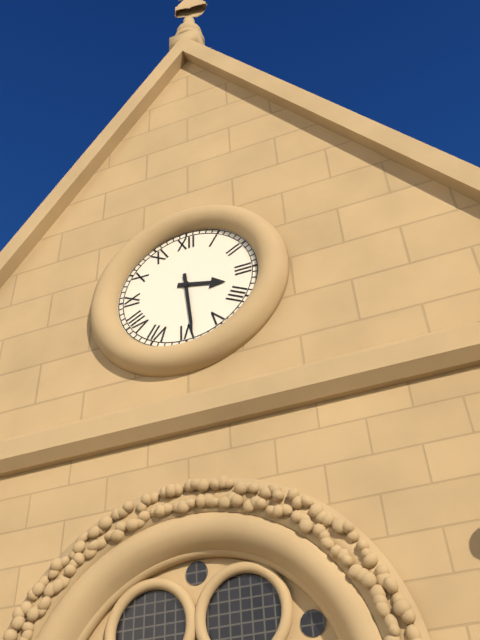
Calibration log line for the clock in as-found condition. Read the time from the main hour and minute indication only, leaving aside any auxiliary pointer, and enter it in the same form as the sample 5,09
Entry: 3,29
